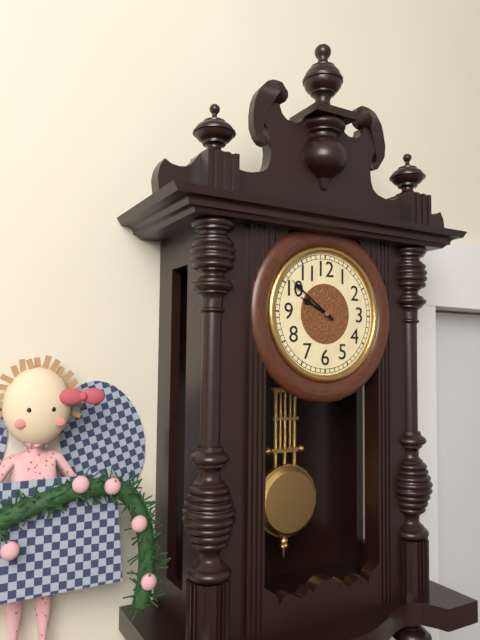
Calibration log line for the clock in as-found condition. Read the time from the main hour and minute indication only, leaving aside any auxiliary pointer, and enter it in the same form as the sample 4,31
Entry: 9,51
